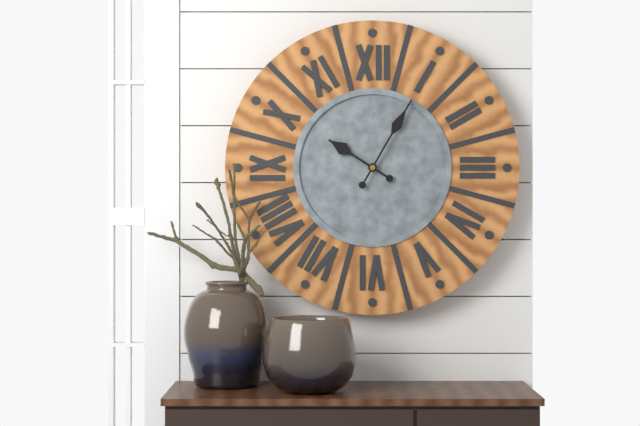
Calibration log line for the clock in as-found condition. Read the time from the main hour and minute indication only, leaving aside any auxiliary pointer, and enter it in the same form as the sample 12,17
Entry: 10,05
